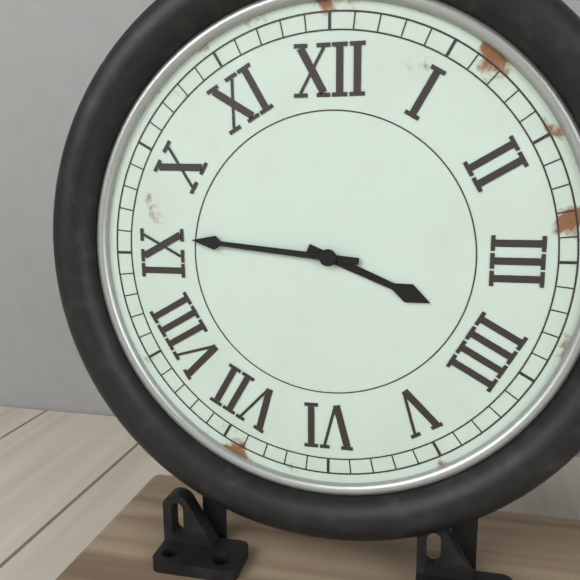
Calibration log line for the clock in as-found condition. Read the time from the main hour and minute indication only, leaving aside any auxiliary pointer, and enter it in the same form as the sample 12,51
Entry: 3,46
